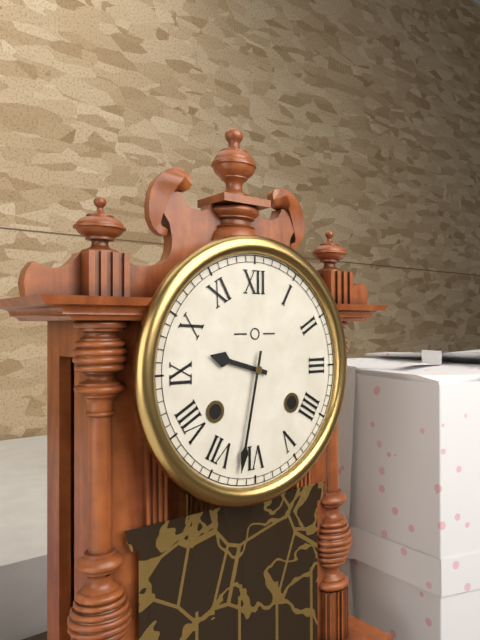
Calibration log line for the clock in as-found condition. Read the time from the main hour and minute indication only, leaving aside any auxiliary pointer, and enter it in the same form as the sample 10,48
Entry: 9,32
